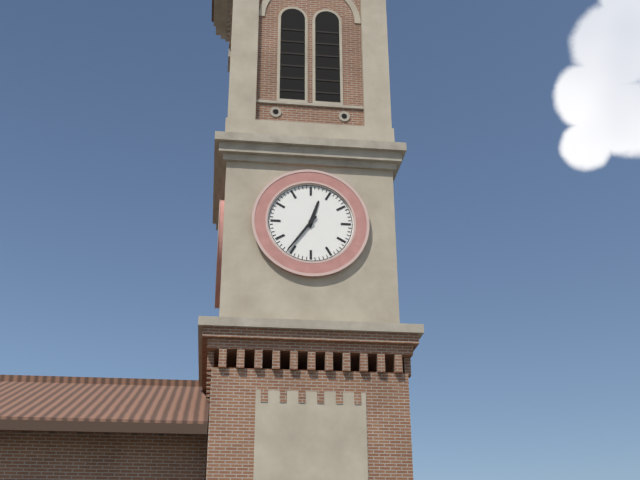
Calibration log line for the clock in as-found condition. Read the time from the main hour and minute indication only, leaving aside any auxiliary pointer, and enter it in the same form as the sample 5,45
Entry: 12,36
